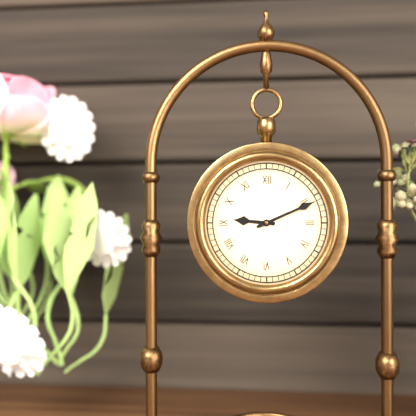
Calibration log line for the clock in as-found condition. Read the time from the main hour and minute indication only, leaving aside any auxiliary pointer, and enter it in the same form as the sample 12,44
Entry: 9,11
